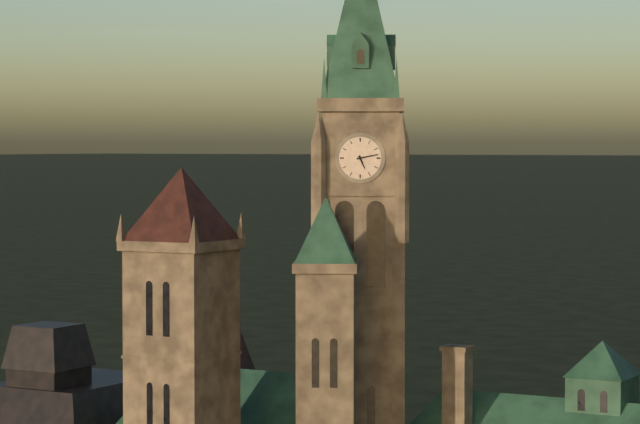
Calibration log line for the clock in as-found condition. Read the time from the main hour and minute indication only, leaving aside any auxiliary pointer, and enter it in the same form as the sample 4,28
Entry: 5,13
